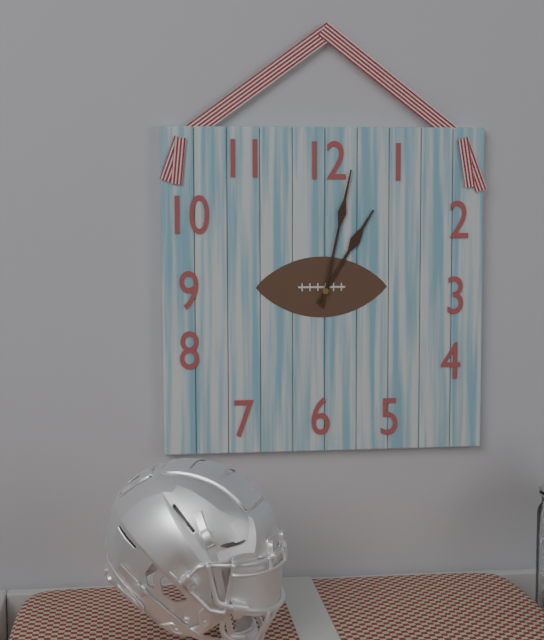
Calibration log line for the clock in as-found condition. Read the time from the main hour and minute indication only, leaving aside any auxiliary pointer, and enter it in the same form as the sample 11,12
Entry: 1,02
